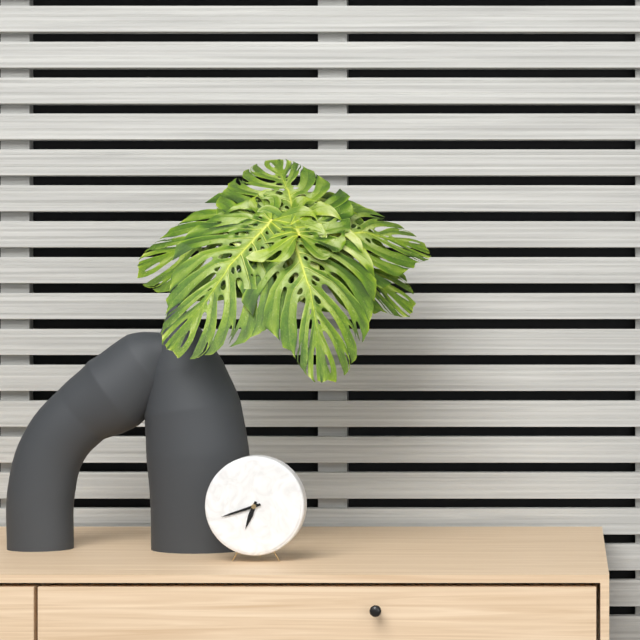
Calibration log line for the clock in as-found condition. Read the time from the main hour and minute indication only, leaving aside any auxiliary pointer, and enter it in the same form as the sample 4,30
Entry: 6,42
